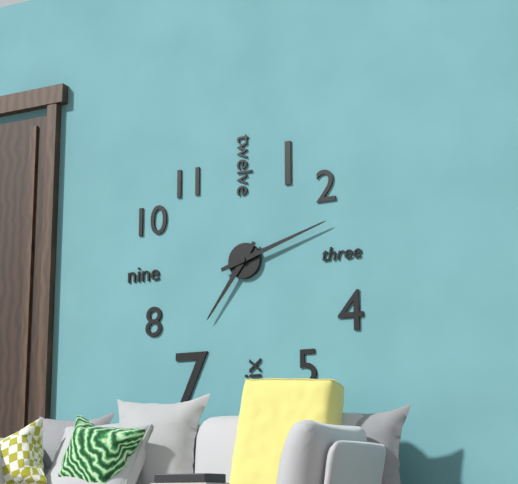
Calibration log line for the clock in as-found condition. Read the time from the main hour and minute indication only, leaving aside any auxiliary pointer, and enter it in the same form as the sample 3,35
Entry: 7,12
